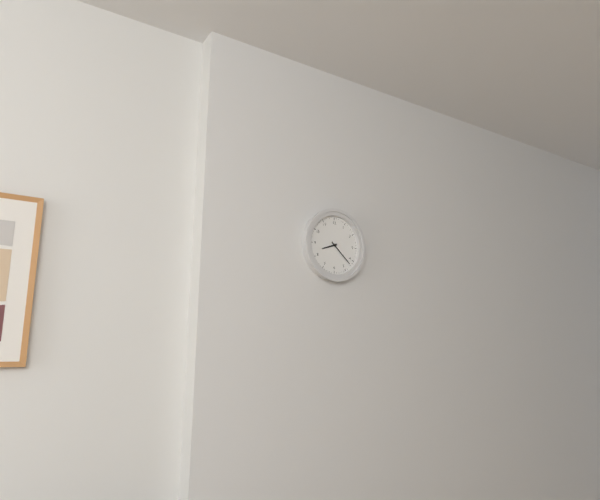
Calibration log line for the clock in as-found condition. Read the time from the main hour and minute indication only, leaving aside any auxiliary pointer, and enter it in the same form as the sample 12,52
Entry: 8,22
